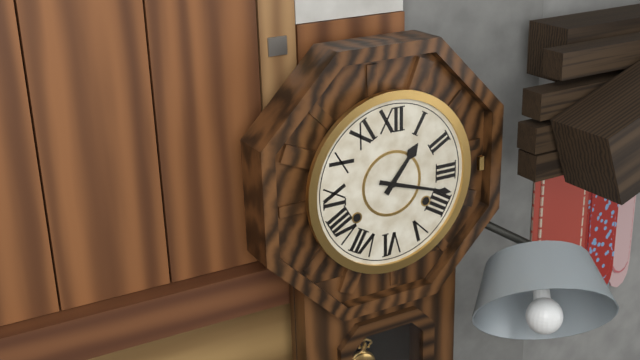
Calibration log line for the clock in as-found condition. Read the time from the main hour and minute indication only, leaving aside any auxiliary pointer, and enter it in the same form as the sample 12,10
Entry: 1,18
